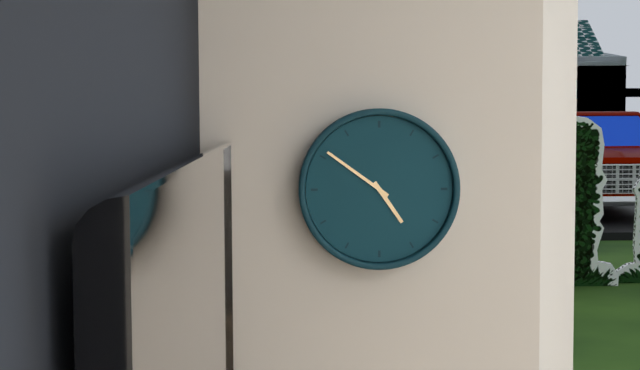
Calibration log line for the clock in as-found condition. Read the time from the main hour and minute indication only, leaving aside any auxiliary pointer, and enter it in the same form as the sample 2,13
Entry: 4,51
